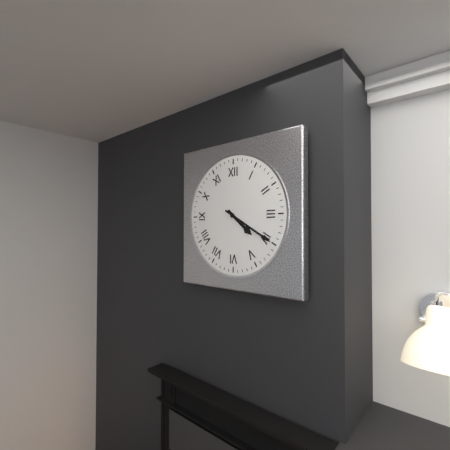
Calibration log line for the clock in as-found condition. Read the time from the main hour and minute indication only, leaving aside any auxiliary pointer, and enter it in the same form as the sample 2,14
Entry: 4,20
